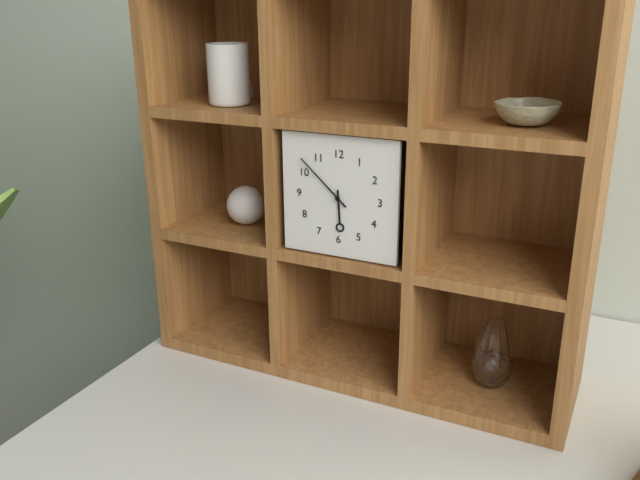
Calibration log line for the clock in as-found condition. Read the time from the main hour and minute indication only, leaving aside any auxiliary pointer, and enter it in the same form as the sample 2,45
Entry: 5,52
